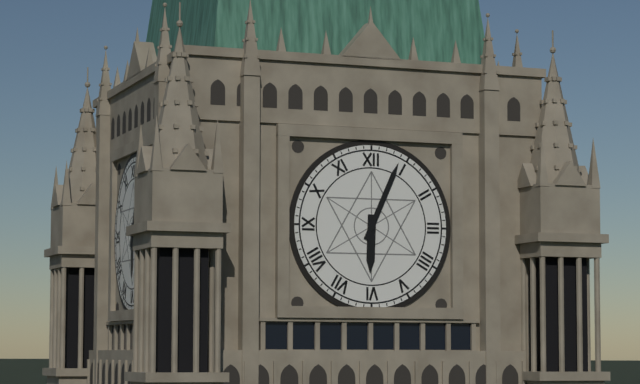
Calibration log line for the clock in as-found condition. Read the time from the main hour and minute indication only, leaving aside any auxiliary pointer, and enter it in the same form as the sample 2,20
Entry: 6,04
